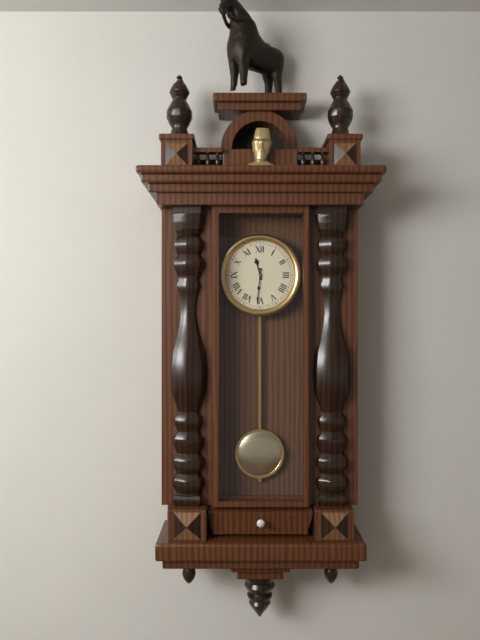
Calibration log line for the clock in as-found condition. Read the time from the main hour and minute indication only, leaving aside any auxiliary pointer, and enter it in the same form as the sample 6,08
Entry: 11,31
